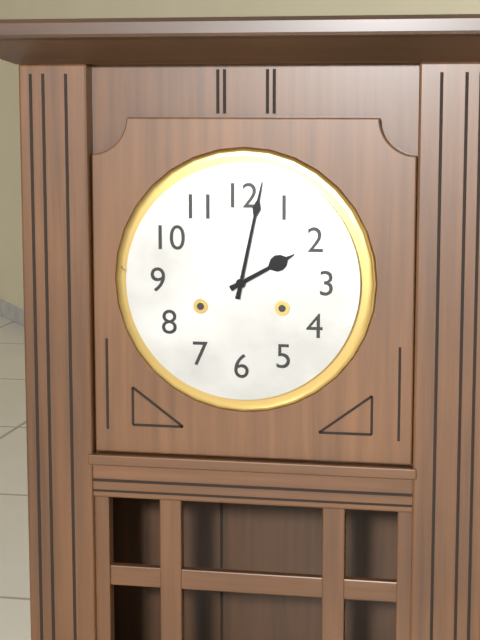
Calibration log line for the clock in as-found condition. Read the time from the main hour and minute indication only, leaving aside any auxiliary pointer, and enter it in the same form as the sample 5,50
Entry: 2,02
